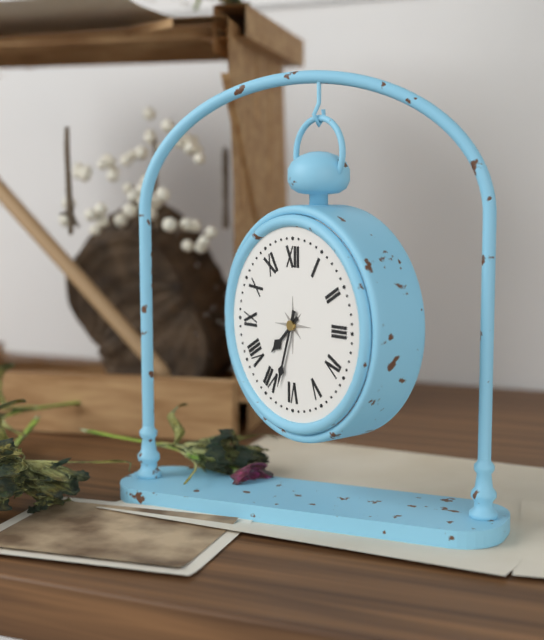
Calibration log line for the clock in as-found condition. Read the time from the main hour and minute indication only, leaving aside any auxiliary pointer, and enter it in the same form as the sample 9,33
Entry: 7,33
